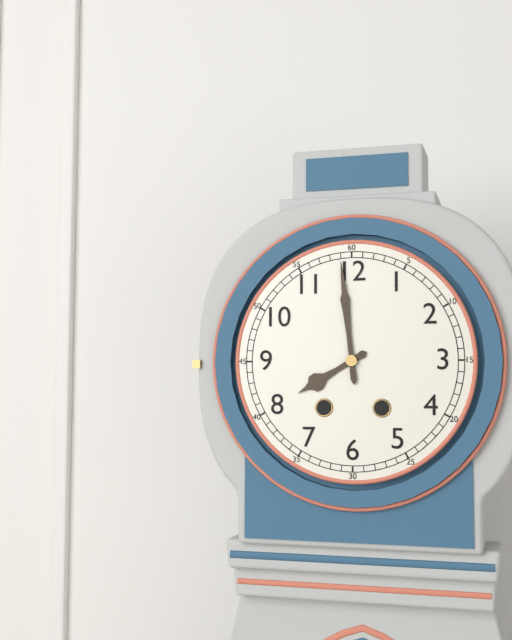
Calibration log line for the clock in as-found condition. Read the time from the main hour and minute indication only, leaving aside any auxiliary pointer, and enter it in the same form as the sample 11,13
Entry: 7,59
